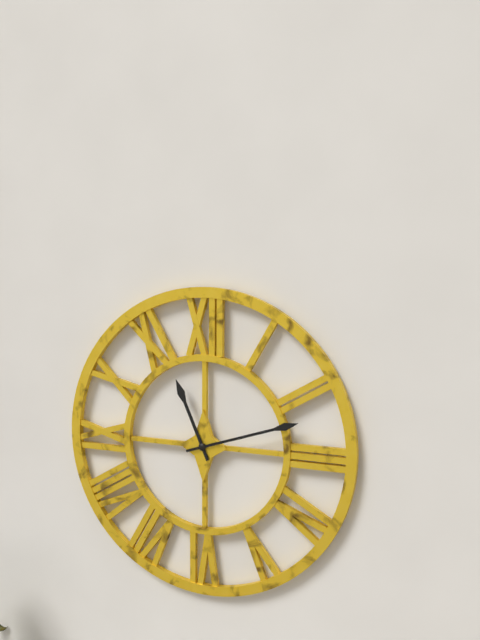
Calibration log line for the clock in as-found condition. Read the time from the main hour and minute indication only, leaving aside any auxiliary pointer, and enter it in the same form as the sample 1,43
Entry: 11,12
